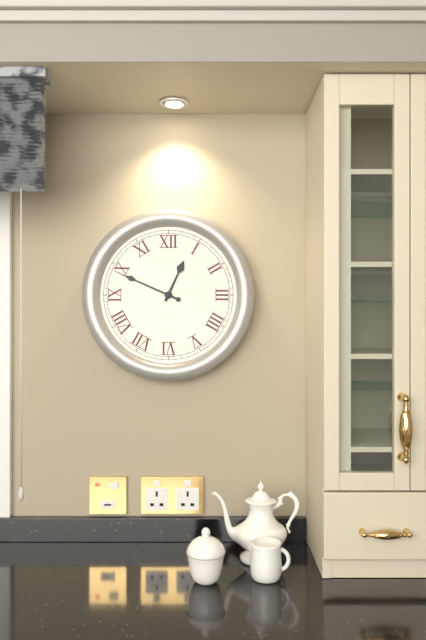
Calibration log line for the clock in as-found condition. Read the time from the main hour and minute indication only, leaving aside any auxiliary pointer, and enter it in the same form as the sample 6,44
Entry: 12,49
